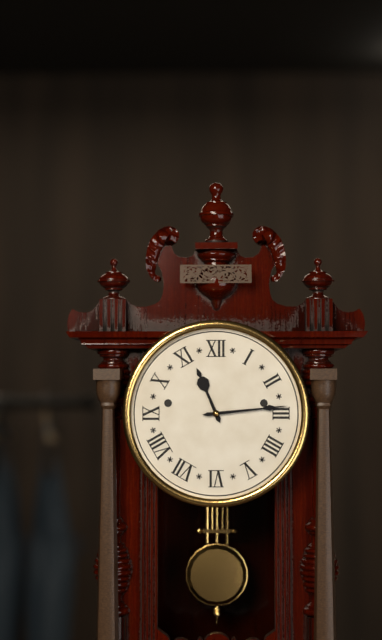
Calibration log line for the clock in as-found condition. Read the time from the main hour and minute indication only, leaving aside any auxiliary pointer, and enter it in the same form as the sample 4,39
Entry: 11,14
